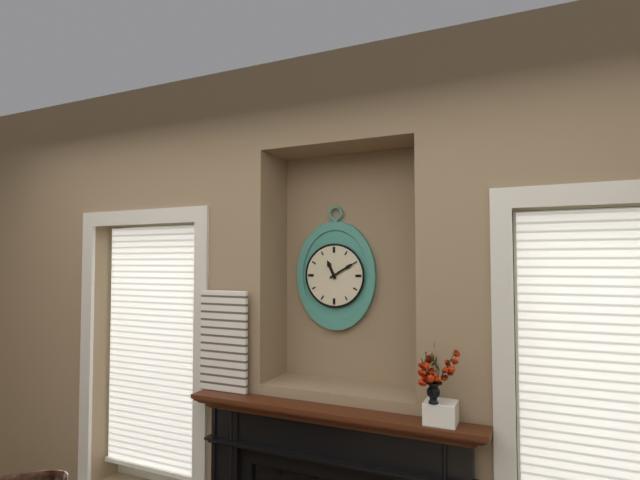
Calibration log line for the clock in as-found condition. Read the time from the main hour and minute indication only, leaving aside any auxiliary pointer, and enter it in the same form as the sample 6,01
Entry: 11,10
